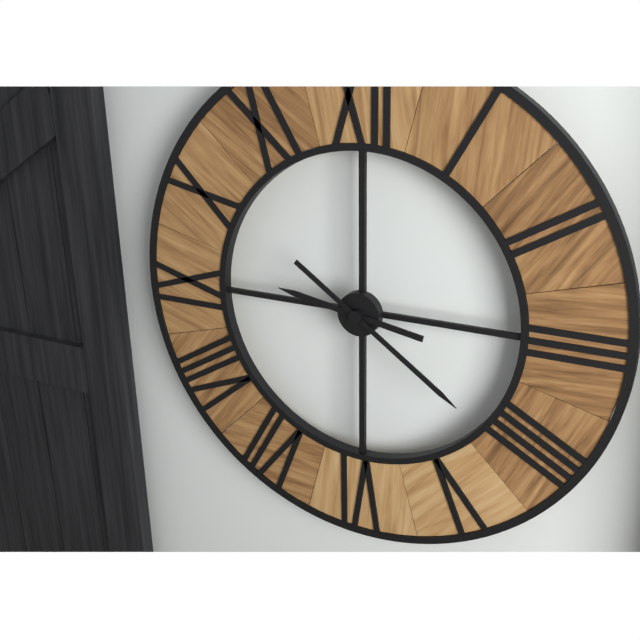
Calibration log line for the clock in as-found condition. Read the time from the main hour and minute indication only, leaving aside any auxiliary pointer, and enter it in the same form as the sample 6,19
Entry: 9,21
